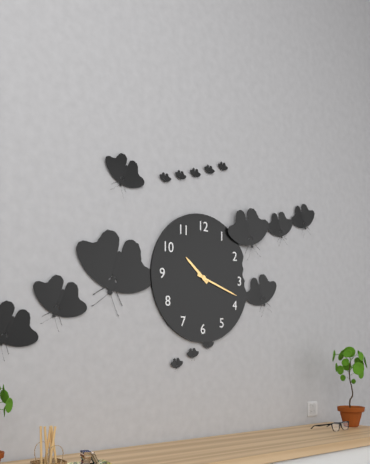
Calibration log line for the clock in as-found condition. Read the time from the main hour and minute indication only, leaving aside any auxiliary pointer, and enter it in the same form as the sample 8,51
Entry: 10,18
